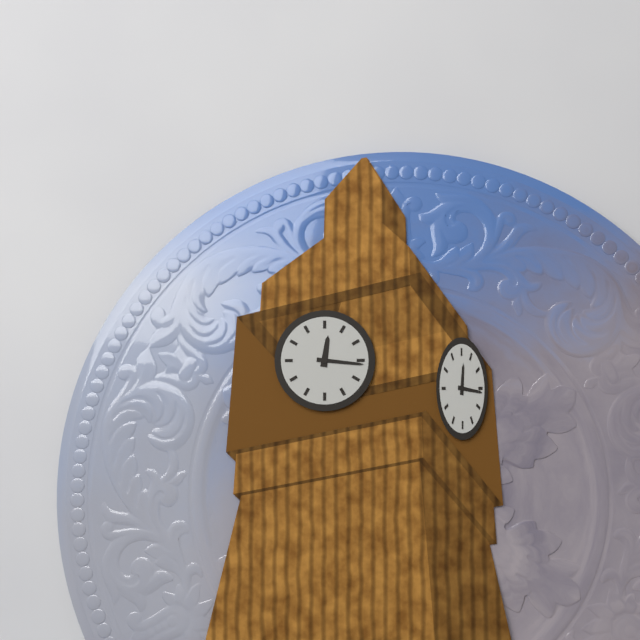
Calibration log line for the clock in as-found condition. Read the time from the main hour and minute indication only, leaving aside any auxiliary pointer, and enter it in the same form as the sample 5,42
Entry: 12,16
